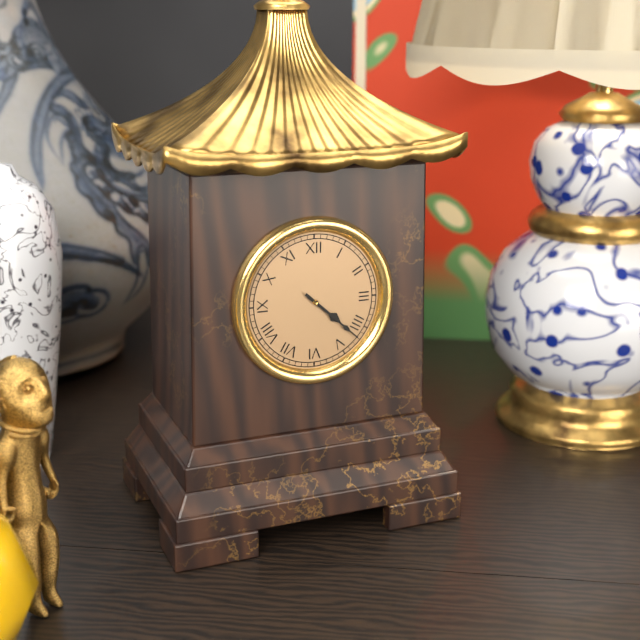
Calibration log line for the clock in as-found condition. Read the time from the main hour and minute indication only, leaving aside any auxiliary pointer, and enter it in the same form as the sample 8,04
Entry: 4,22
